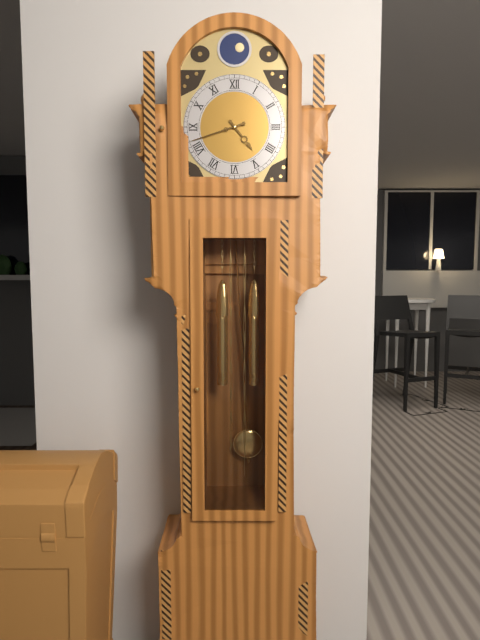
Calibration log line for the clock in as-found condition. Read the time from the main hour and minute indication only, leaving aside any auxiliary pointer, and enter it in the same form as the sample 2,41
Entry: 4,42
